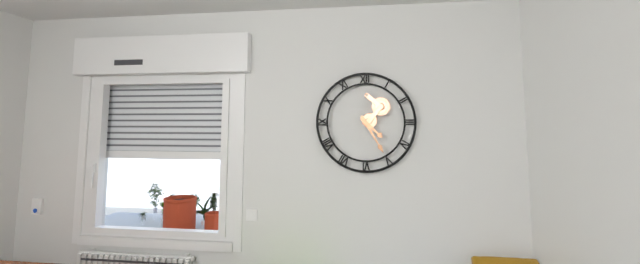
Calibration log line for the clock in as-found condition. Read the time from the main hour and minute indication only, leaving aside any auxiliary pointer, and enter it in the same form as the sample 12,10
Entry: 4,25
